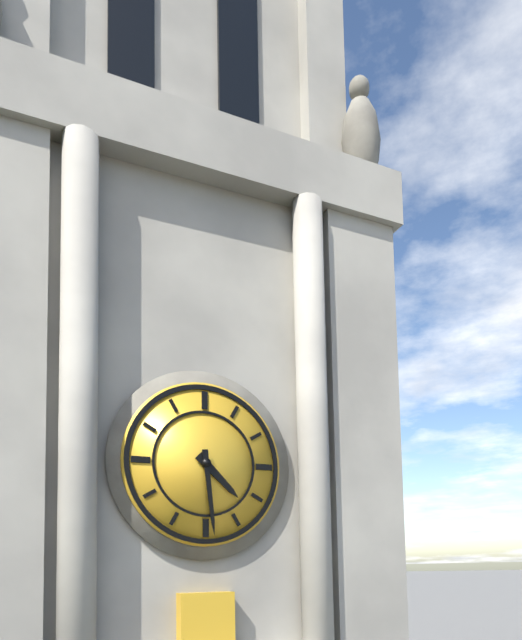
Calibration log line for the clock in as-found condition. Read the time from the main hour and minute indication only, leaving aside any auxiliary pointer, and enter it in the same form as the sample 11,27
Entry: 4,29
